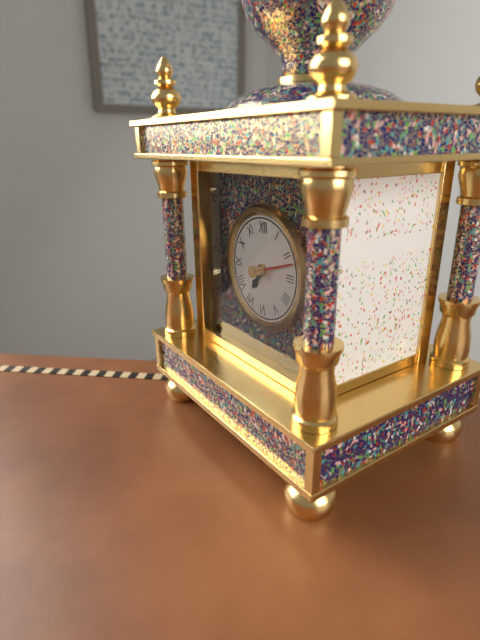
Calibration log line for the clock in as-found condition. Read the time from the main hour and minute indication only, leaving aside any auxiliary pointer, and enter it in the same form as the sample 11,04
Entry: 7,12
